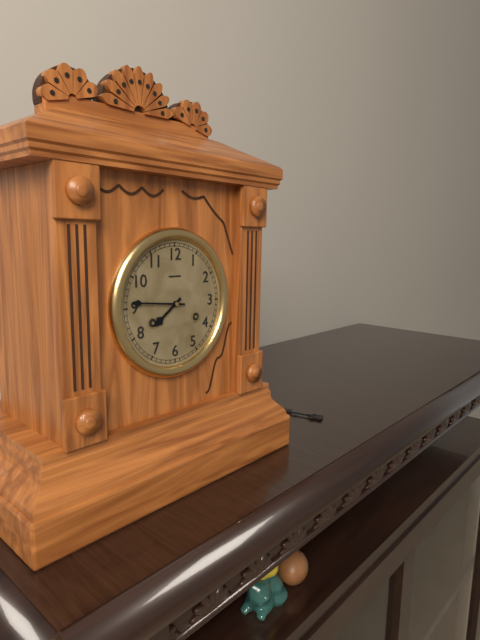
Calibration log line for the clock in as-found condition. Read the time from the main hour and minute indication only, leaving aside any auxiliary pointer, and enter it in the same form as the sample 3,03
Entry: 7,46
